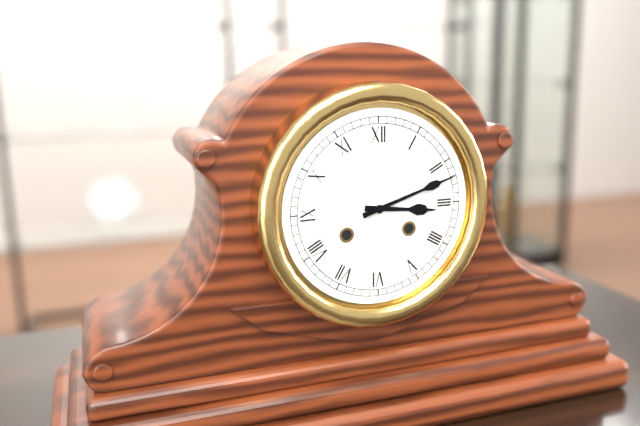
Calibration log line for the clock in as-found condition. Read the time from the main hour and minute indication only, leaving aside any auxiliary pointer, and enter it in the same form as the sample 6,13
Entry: 3,12
